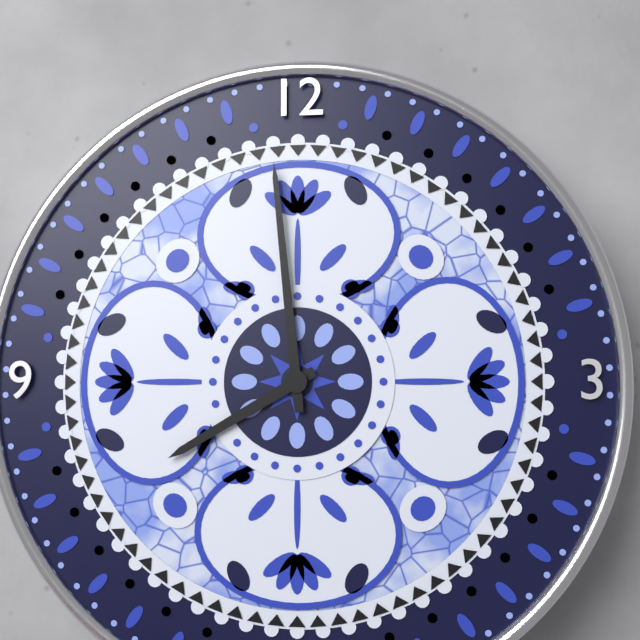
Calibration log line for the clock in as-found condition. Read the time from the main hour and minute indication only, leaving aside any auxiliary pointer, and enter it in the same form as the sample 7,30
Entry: 7,59
